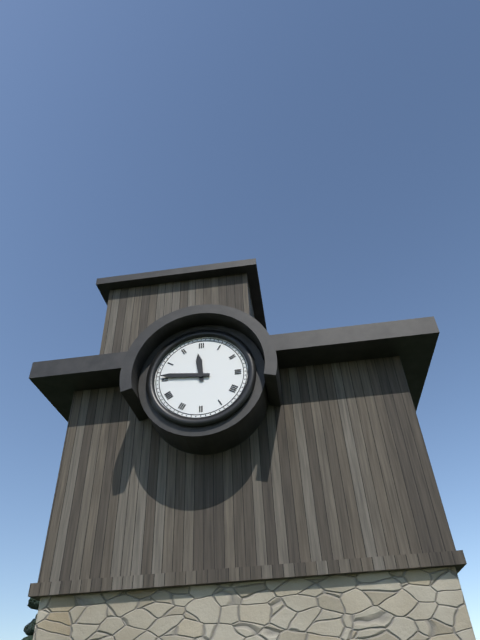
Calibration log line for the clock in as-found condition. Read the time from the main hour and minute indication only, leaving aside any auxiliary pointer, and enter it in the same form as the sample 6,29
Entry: 11,46
